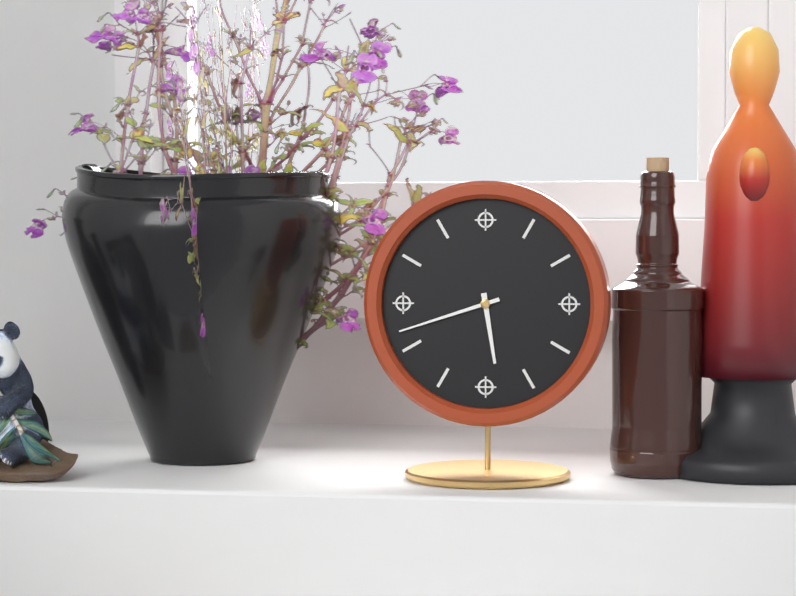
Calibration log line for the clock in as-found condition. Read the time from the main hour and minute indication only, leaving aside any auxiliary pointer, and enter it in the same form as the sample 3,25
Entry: 5,42
